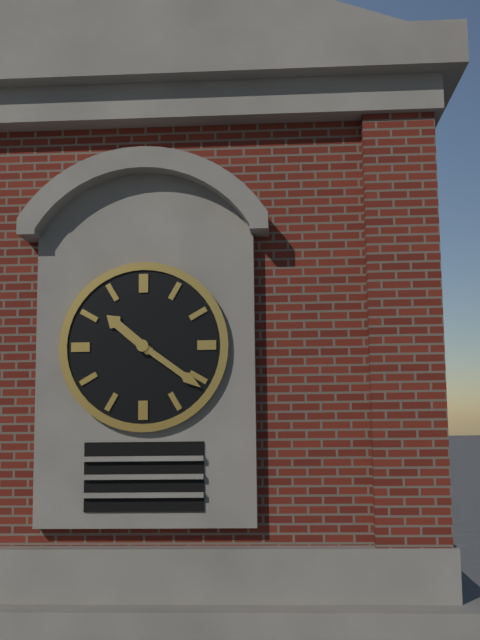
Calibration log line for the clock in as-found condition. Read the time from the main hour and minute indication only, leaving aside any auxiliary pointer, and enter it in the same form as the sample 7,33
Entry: 10,21
